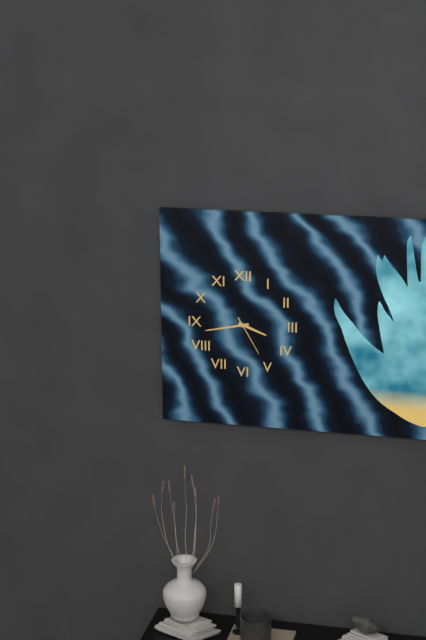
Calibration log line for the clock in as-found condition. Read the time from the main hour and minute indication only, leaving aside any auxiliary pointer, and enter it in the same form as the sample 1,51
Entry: 3,43
